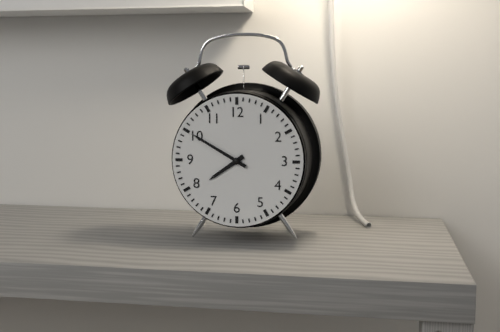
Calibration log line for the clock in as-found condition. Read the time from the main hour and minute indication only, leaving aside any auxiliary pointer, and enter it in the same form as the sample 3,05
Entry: 7,50
